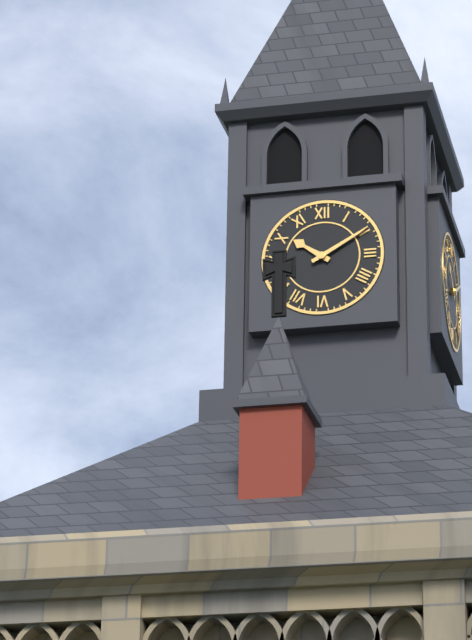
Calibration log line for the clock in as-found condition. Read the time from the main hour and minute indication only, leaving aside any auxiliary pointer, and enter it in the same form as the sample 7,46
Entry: 10,10
